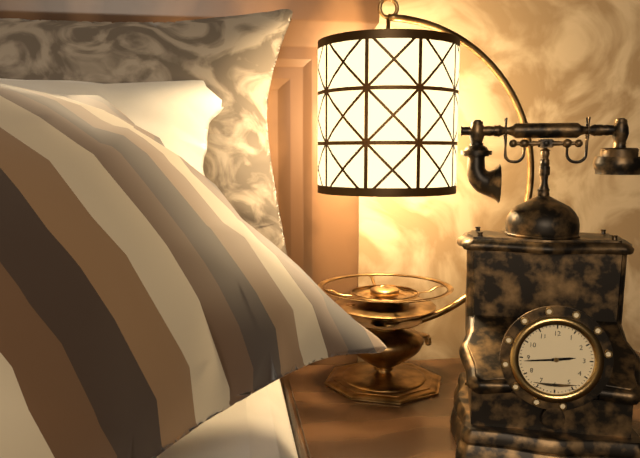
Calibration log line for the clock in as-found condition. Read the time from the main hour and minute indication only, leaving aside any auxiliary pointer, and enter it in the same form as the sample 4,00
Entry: 2,44
